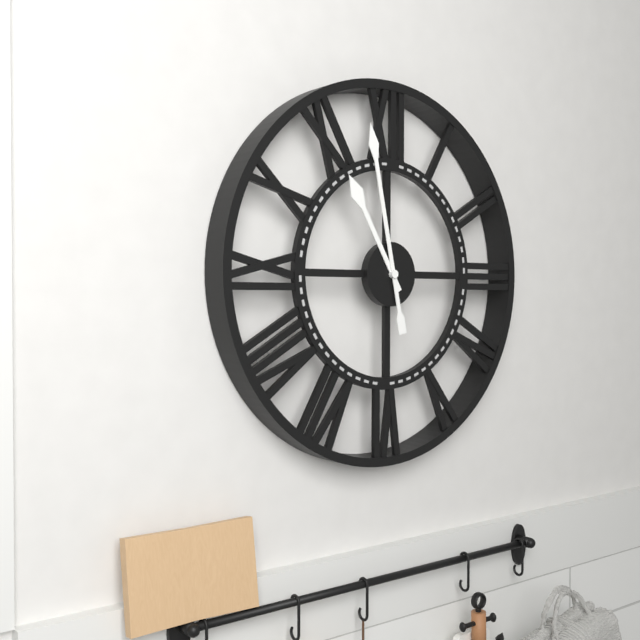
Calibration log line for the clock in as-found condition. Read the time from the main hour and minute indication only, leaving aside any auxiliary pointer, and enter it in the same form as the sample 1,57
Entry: 10,58
